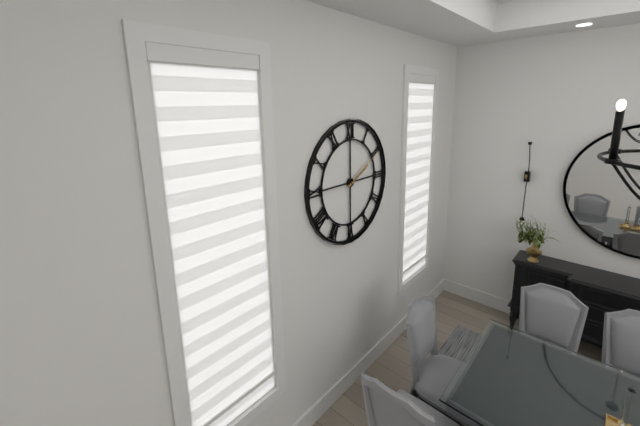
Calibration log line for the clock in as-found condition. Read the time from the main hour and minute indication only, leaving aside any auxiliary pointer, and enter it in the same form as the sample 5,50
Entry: 2,10
